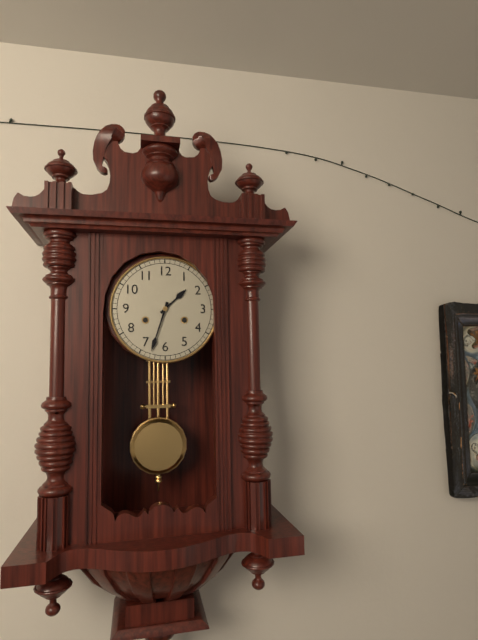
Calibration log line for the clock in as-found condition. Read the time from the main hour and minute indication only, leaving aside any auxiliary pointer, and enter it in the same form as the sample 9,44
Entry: 1,33
